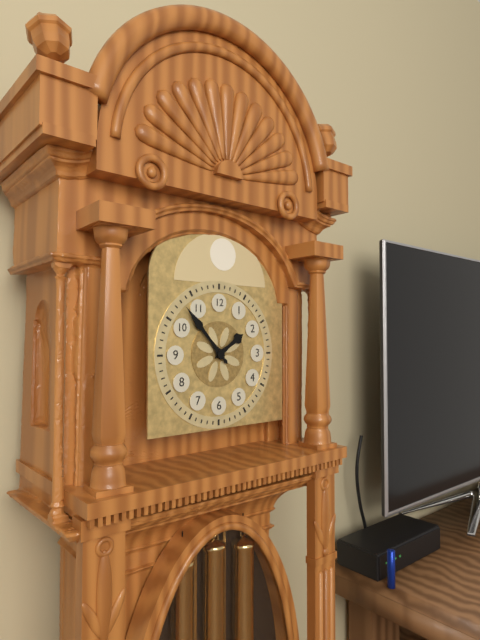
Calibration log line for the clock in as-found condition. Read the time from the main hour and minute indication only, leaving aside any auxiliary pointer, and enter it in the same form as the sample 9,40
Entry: 1,53
